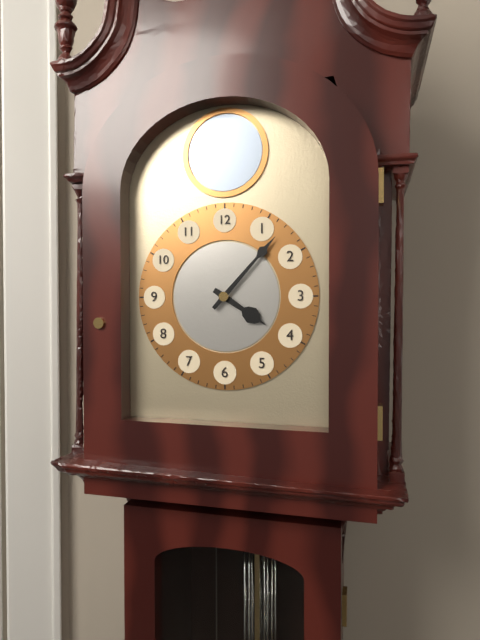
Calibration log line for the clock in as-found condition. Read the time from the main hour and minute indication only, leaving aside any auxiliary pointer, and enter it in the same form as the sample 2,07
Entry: 4,07
